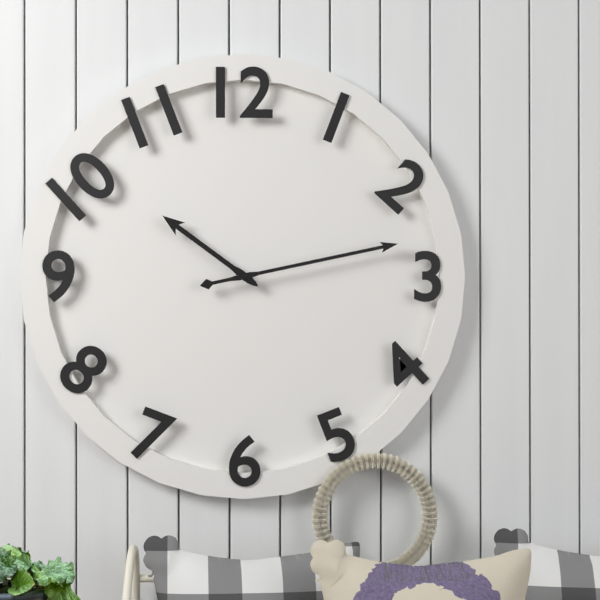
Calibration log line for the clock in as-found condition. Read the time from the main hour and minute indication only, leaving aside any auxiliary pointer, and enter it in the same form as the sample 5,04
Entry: 10,13
